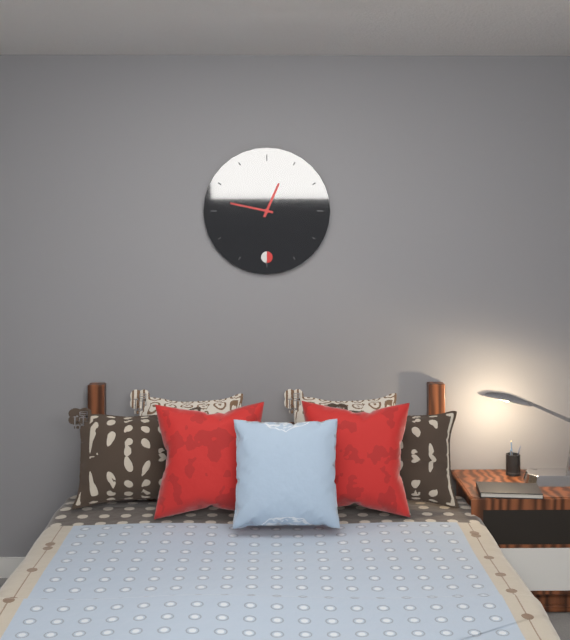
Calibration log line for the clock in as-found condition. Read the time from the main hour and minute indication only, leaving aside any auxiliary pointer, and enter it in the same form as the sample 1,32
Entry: 12,47
